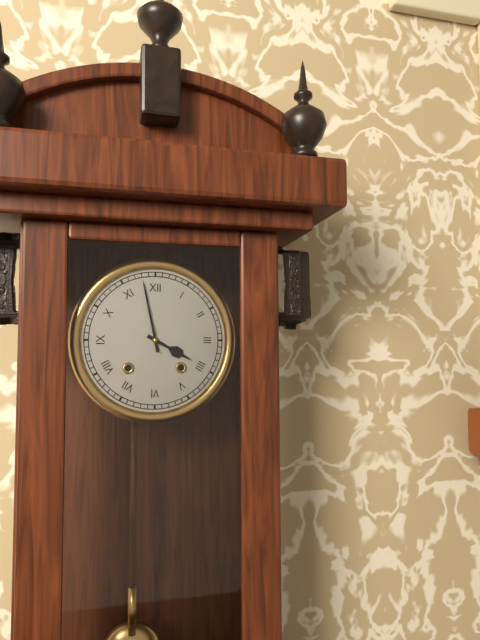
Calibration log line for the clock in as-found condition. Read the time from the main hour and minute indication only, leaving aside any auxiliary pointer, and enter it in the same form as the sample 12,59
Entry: 3,58
